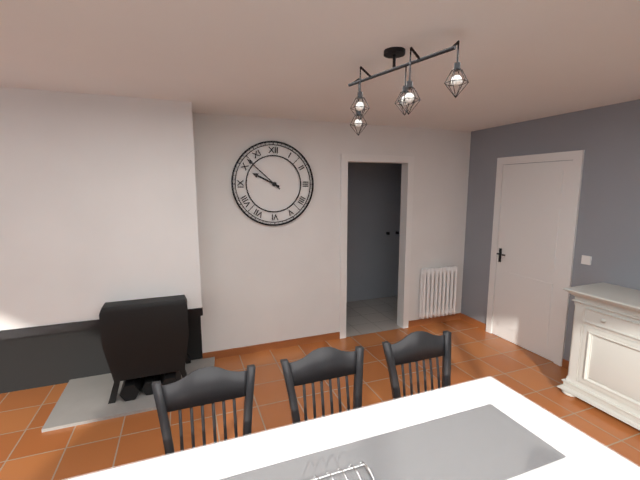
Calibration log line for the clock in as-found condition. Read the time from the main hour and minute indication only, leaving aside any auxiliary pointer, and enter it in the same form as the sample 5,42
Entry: 9,52
